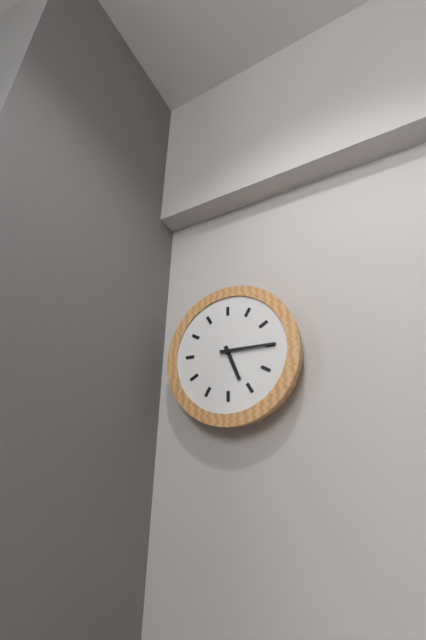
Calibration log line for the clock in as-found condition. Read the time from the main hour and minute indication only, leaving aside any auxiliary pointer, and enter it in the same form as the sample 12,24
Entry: 5,15
